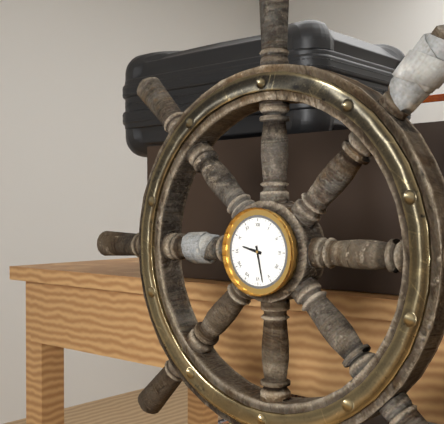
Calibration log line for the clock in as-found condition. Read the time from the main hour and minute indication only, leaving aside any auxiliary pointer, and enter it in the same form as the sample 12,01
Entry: 9,28
